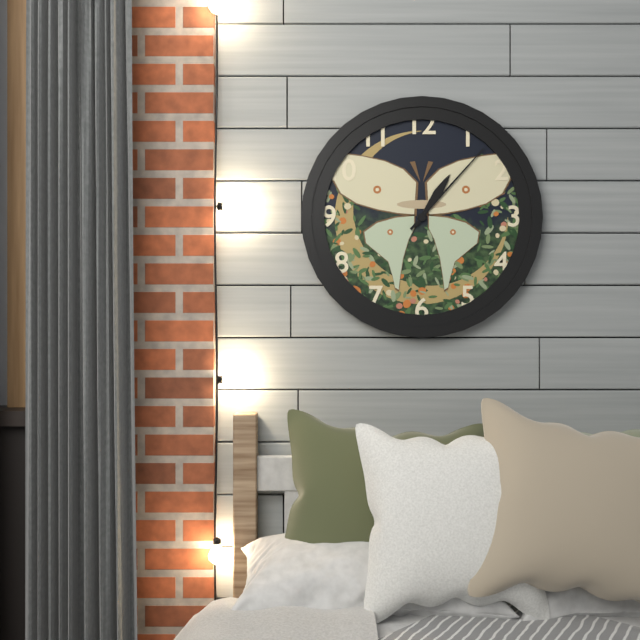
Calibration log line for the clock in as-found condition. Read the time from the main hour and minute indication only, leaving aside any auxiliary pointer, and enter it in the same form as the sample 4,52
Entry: 1,07
